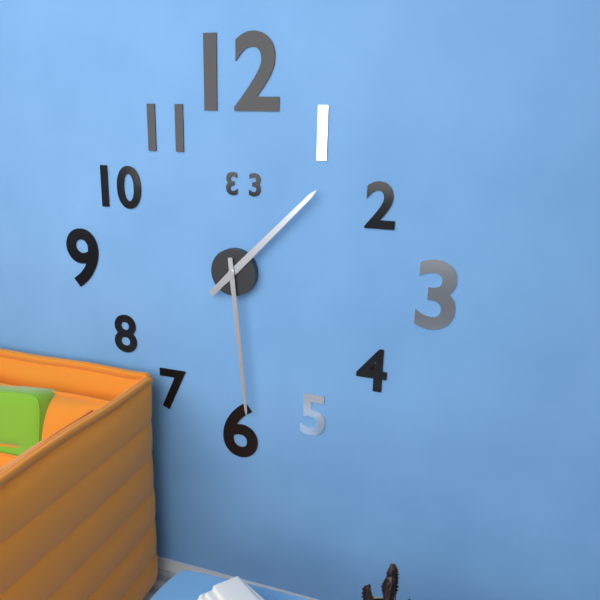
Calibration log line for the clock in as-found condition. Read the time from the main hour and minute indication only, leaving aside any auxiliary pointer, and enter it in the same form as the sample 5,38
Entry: 1,29
